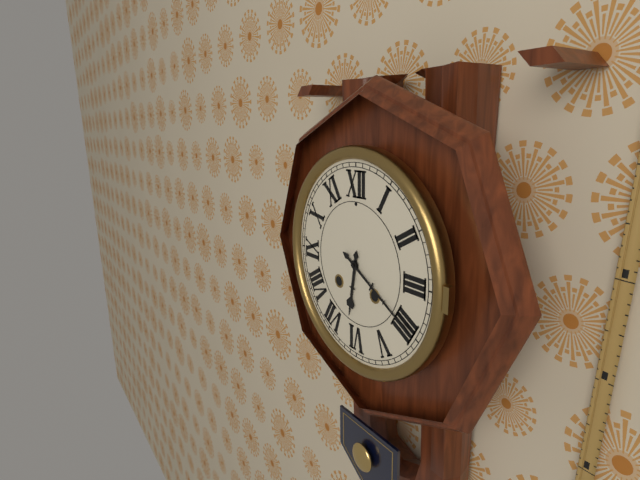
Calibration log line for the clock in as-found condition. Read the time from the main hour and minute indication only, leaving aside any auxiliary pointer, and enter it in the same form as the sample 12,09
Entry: 6,20
